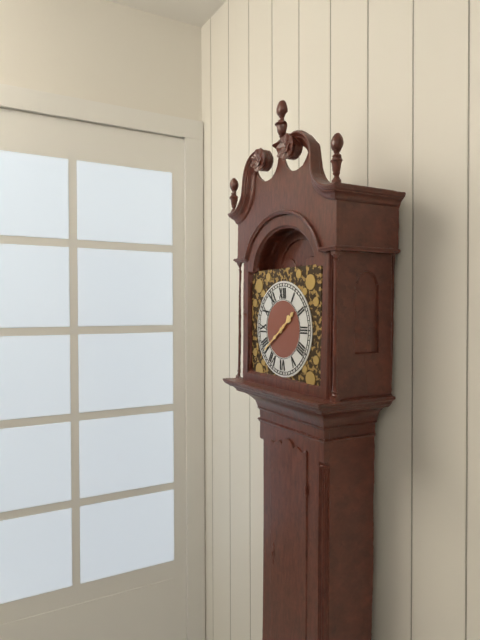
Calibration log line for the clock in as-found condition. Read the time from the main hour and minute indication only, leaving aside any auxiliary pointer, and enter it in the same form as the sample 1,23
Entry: 1,39
